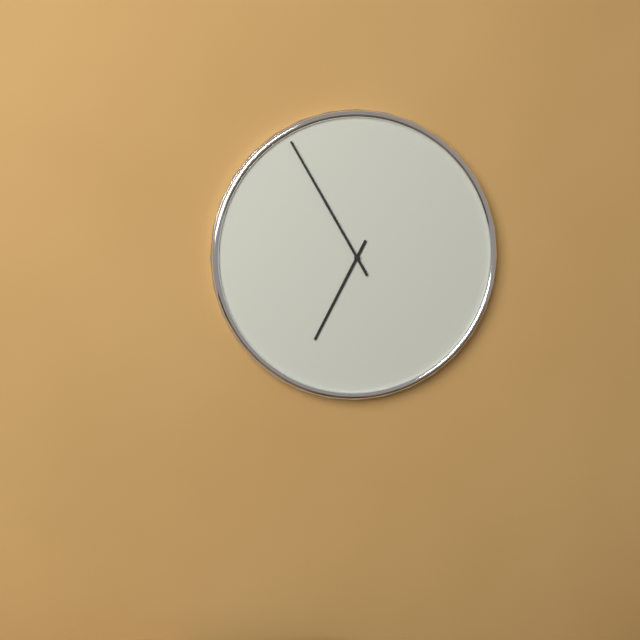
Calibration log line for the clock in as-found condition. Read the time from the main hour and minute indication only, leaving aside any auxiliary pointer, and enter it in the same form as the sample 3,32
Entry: 6,55
